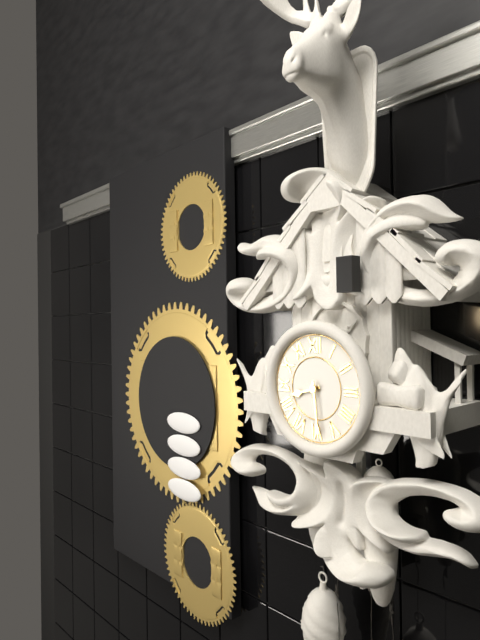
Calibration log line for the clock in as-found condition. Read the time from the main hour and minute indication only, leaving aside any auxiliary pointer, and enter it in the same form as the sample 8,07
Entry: 8,29
